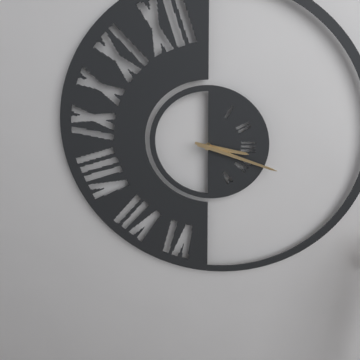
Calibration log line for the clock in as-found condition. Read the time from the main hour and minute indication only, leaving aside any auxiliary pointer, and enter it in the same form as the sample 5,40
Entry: 3,18
